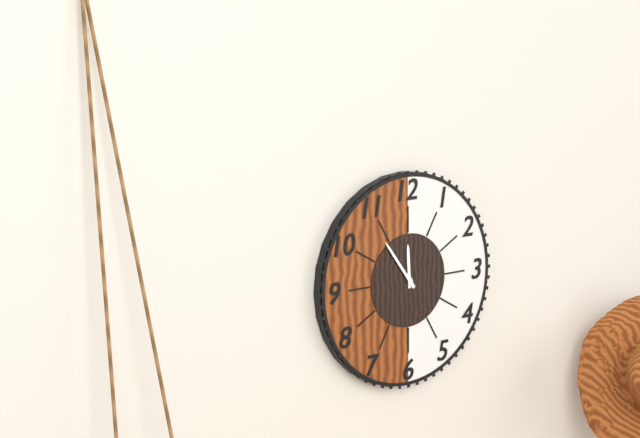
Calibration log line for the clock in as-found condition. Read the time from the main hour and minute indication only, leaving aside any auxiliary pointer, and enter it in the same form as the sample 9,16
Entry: 11,54
